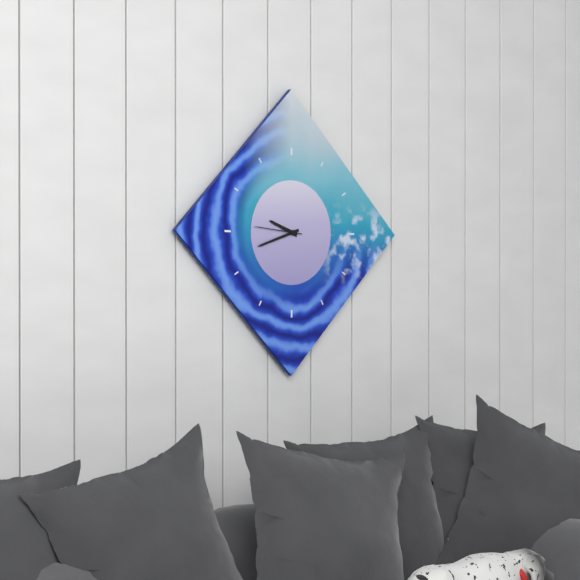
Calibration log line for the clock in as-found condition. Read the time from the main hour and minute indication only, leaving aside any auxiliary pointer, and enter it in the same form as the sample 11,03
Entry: 9,42
